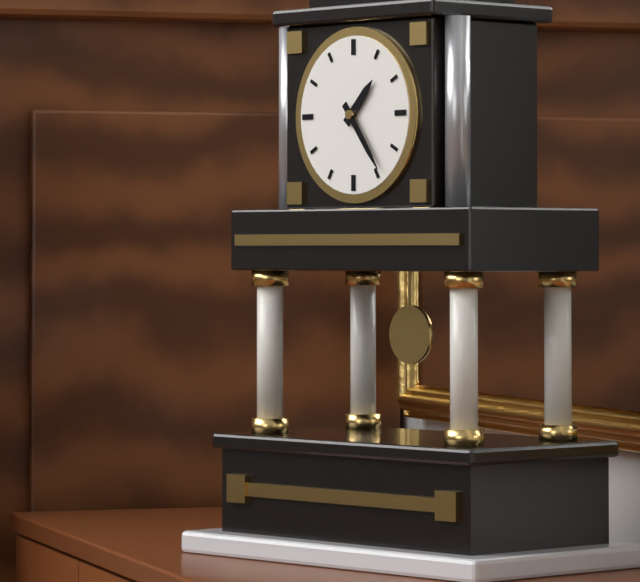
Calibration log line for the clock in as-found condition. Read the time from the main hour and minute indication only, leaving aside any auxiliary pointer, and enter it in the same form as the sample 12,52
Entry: 1,24
